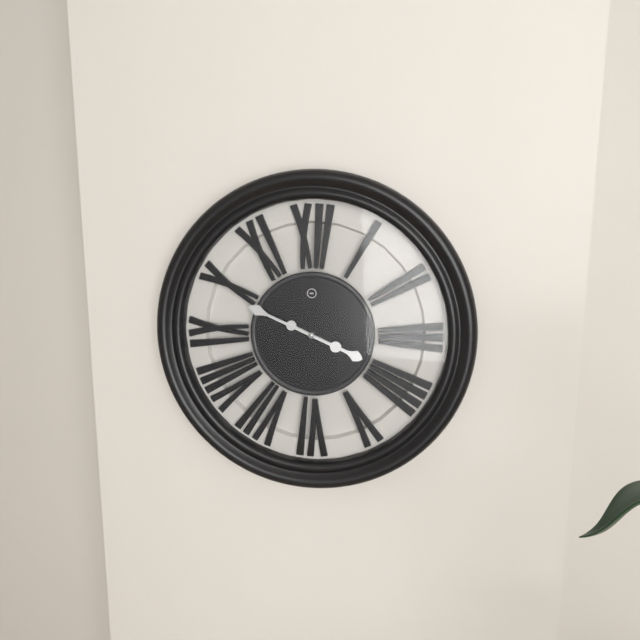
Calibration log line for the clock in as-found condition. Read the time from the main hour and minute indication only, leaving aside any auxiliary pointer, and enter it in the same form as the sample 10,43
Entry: 3,49
